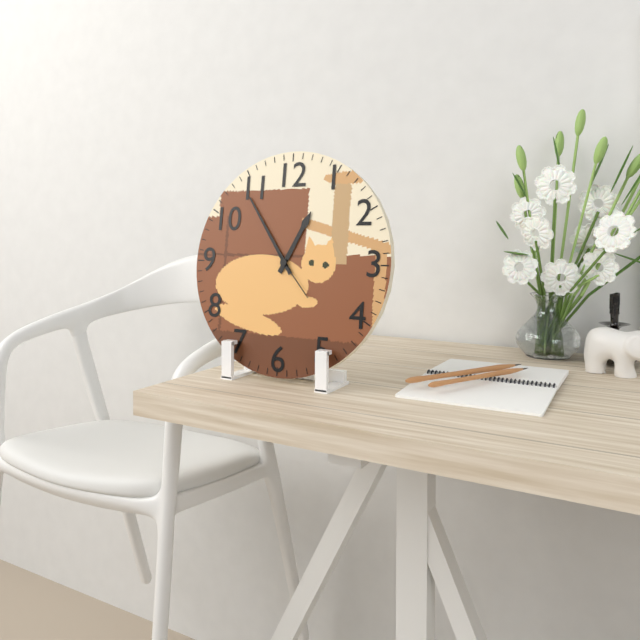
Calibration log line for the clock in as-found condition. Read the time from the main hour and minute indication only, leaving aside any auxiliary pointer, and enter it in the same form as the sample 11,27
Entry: 12,54
